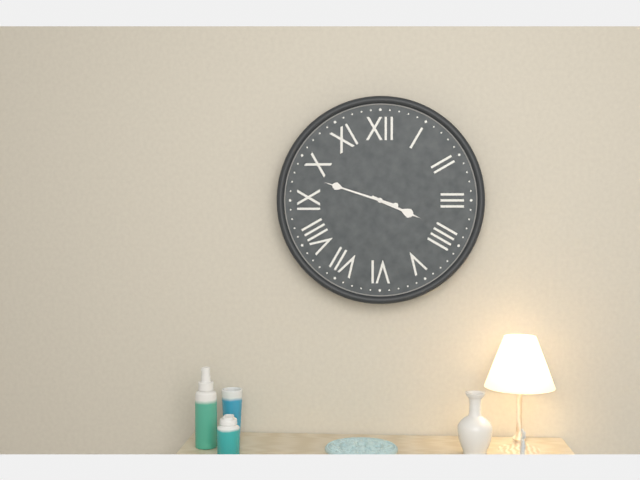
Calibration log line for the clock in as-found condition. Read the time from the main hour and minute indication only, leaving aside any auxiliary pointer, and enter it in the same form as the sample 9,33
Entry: 3,48
